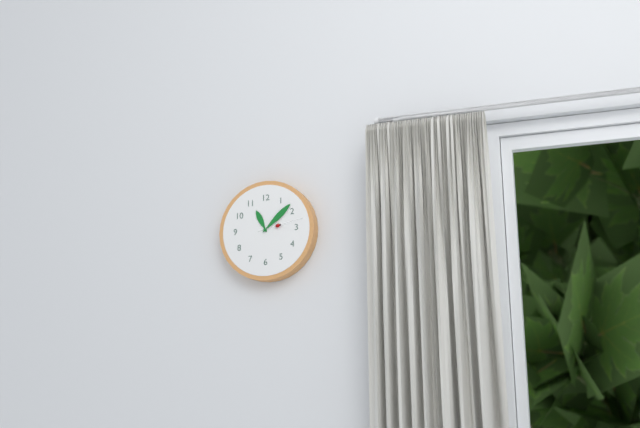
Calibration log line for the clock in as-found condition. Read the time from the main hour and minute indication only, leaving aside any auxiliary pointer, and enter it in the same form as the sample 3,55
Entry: 11,08
